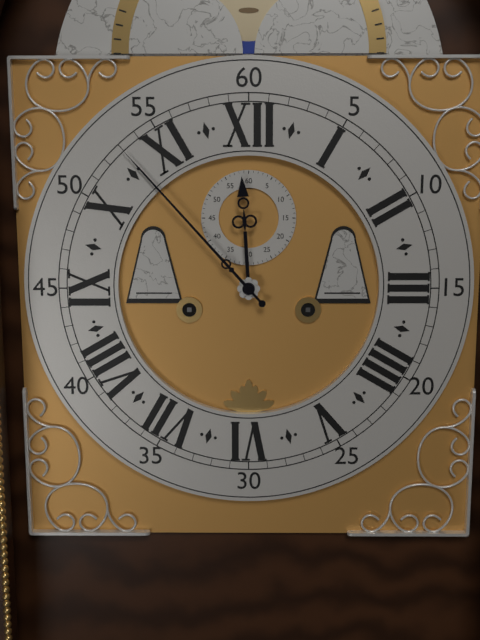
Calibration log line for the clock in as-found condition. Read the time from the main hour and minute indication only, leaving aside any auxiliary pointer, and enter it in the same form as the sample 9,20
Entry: 11,53
